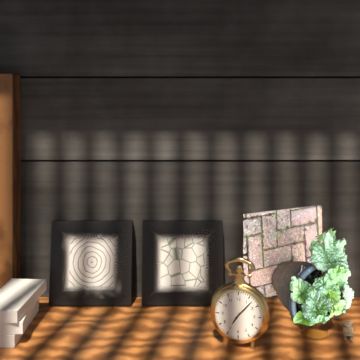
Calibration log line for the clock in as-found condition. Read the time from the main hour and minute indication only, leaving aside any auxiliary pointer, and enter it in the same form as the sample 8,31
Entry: 7,07
